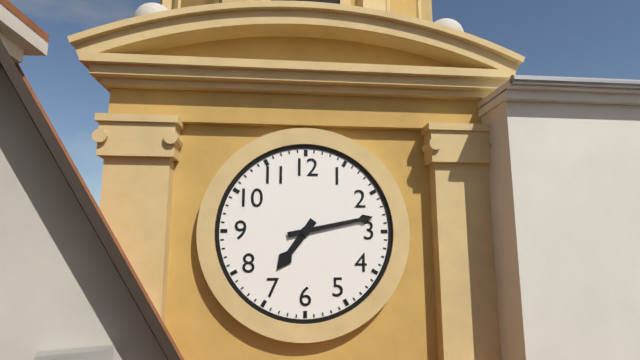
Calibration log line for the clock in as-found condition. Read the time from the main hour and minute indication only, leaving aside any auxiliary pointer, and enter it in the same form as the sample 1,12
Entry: 7,13
